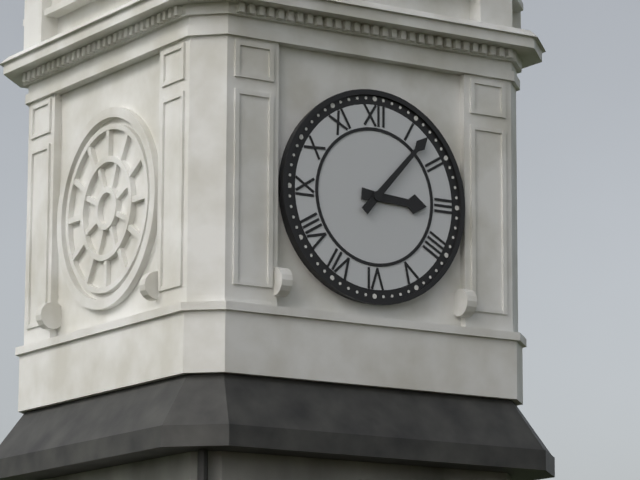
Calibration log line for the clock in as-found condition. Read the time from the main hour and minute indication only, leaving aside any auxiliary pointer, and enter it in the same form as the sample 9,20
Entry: 3,07
